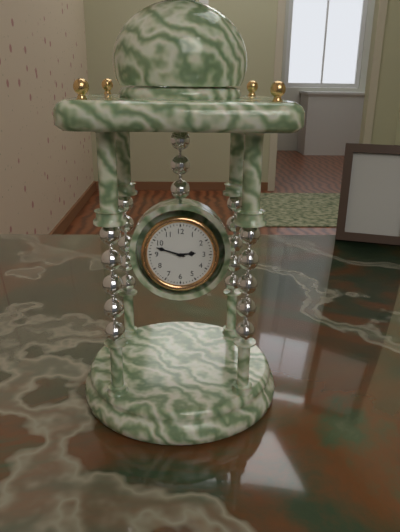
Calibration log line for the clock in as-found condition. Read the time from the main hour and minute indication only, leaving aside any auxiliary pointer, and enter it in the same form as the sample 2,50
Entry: 2,48
